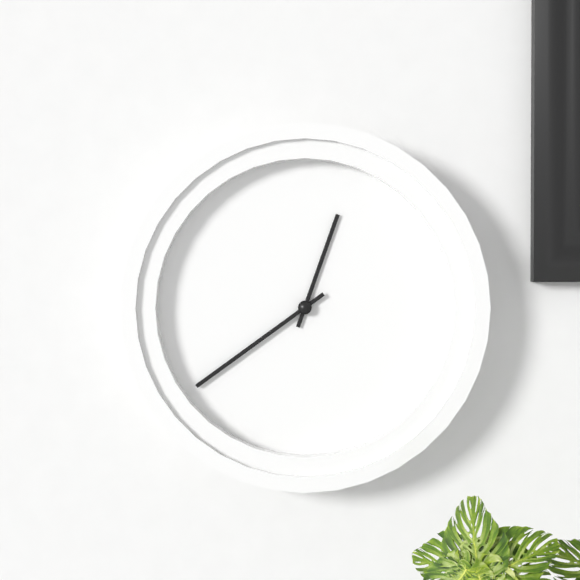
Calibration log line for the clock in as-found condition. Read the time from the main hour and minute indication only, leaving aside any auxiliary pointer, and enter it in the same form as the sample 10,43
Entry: 12,39
